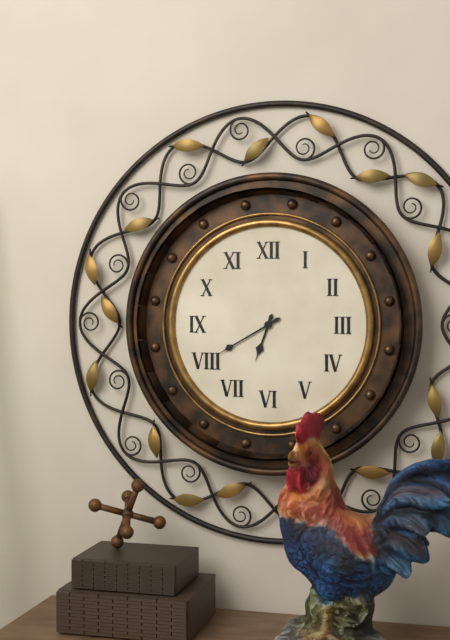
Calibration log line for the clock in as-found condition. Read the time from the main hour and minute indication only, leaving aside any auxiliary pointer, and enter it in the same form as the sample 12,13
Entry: 6,40
